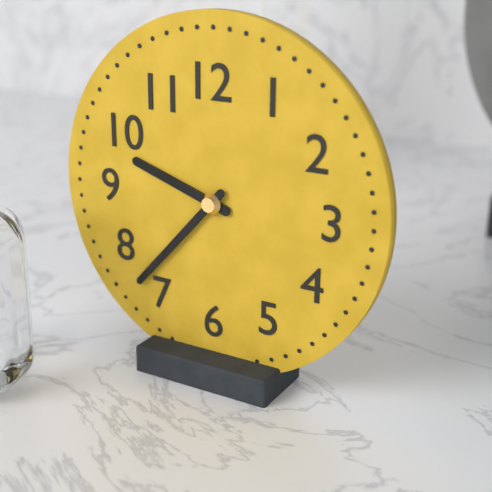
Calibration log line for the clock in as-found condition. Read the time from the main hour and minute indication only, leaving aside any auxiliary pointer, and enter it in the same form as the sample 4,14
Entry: 9,37
